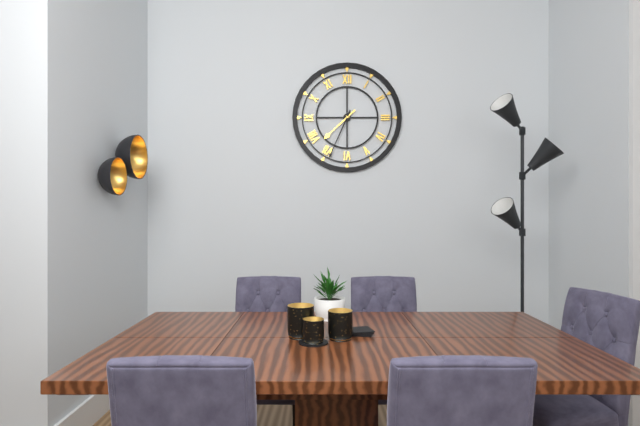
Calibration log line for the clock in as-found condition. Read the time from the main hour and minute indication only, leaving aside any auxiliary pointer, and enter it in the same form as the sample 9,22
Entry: 7,34
